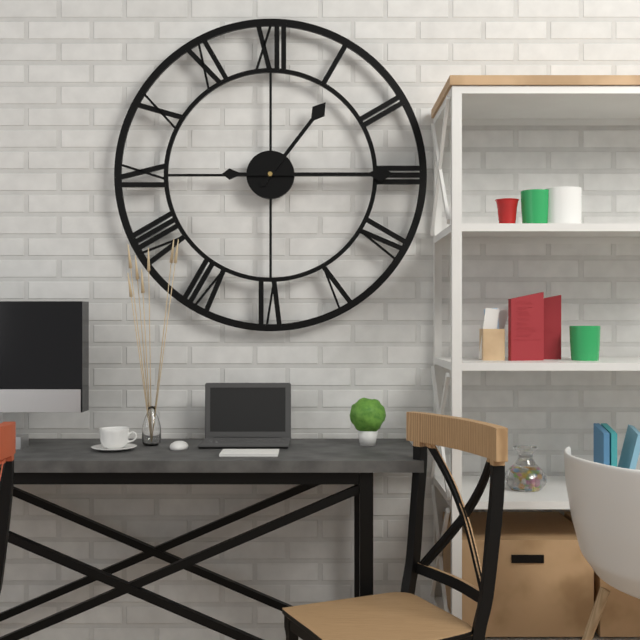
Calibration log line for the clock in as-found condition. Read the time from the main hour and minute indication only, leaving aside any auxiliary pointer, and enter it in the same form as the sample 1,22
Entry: 1,15
